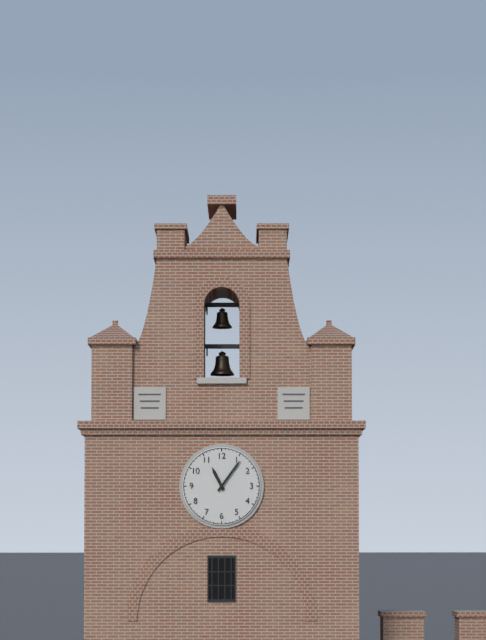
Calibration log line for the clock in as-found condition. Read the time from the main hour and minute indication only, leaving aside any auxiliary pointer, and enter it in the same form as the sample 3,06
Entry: 11,06
